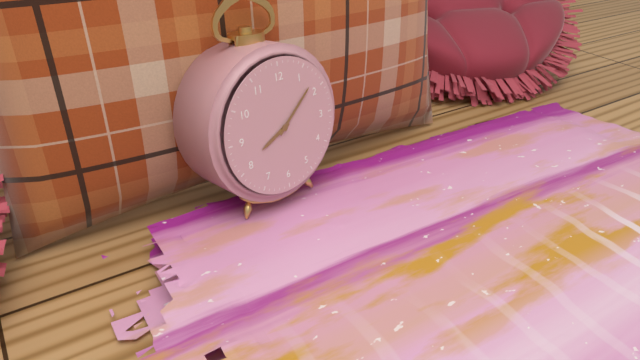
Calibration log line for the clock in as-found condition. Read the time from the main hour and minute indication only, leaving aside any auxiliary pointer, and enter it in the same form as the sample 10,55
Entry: 8,08
